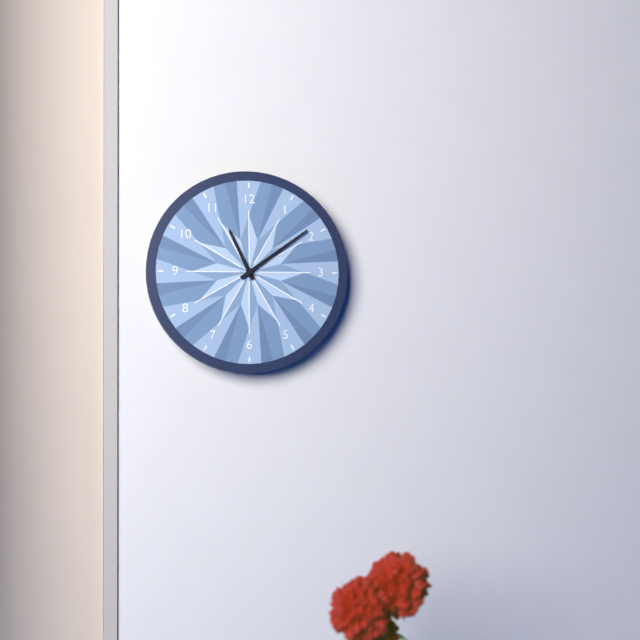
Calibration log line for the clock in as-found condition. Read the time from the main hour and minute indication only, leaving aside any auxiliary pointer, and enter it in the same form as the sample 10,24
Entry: 11,09
